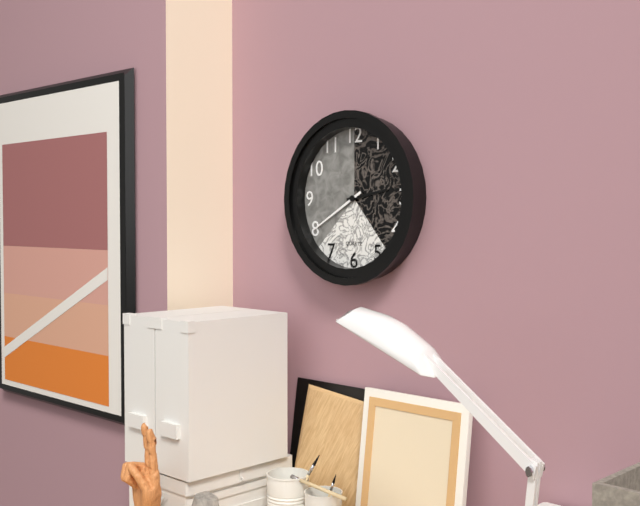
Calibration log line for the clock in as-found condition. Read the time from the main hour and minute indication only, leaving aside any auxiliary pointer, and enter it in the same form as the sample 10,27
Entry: 2,40
